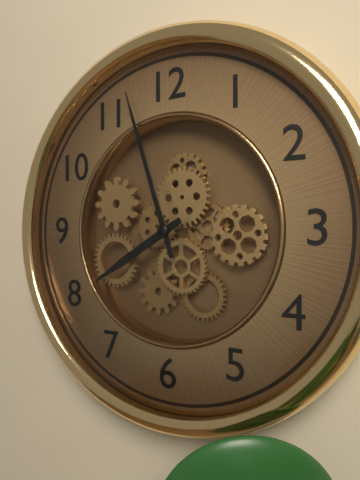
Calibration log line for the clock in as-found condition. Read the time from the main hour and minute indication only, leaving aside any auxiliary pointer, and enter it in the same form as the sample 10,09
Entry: 7,57
